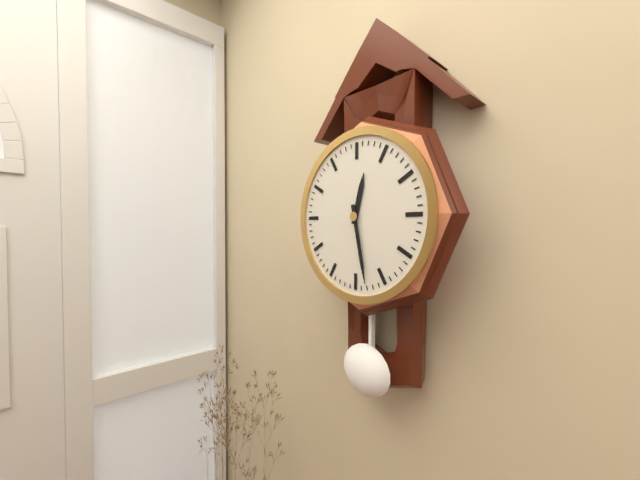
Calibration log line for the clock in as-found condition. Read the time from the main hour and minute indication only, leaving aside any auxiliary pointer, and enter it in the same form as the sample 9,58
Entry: 12,28
